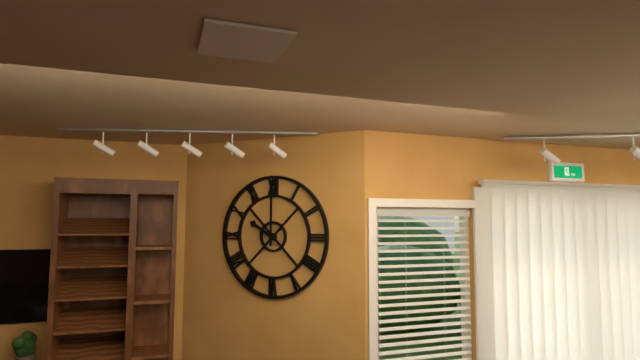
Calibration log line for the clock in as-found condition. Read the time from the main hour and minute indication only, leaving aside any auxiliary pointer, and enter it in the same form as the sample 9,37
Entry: 10,00
